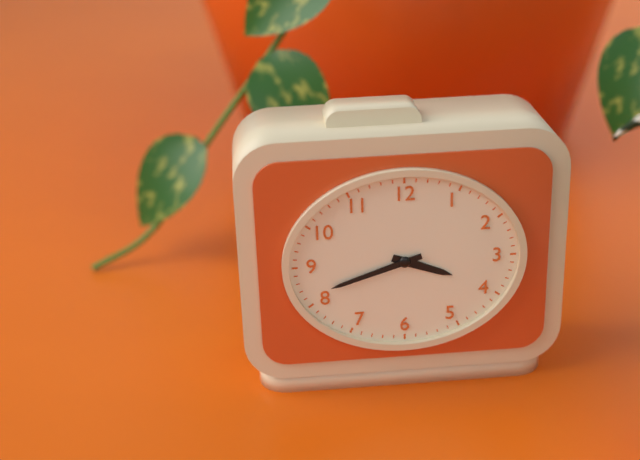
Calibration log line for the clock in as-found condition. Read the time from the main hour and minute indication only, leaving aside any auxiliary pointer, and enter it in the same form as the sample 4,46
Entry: 3,42
